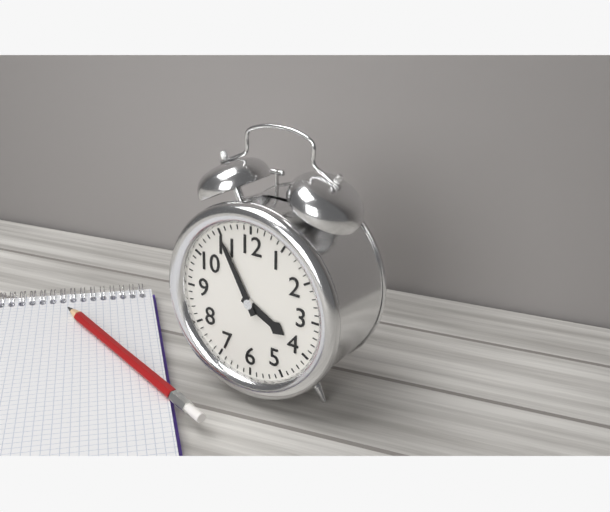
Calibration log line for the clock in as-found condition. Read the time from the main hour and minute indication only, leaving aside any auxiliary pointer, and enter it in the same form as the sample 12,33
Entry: 3,55
